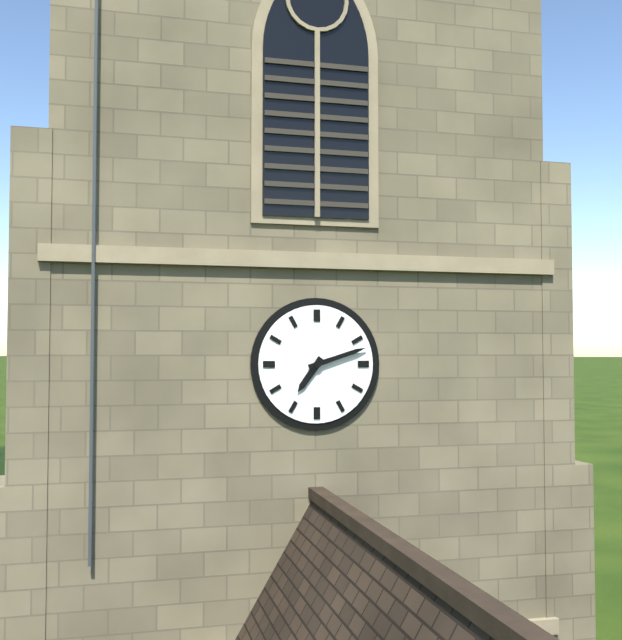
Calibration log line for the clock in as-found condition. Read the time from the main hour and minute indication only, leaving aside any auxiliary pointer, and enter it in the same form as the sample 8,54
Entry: 7,12
